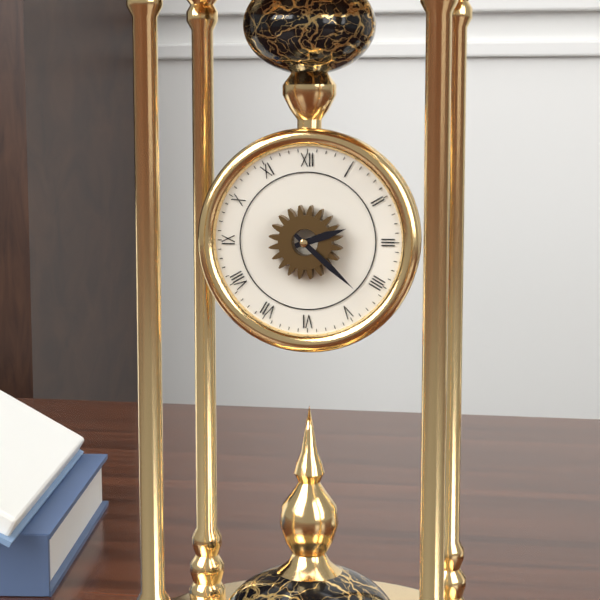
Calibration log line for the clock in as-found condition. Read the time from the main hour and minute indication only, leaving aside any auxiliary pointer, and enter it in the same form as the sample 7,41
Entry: 2,22
